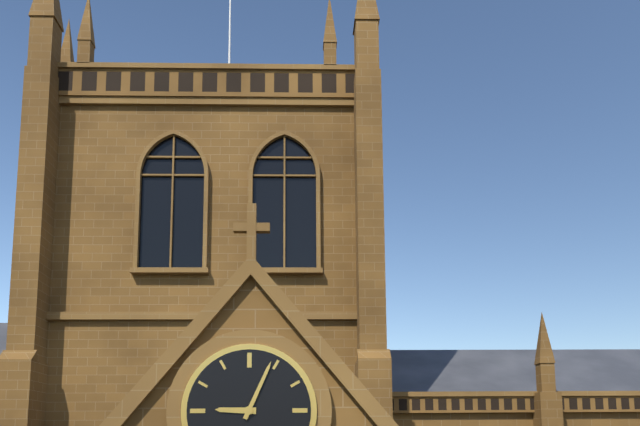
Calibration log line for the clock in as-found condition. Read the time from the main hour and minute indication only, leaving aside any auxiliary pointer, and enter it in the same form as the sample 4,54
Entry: 9,04
